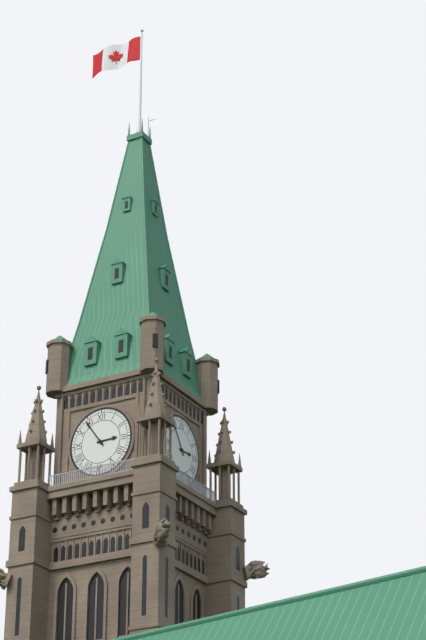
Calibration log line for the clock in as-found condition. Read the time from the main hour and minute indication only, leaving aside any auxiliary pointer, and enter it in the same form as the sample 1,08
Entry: 2,54
